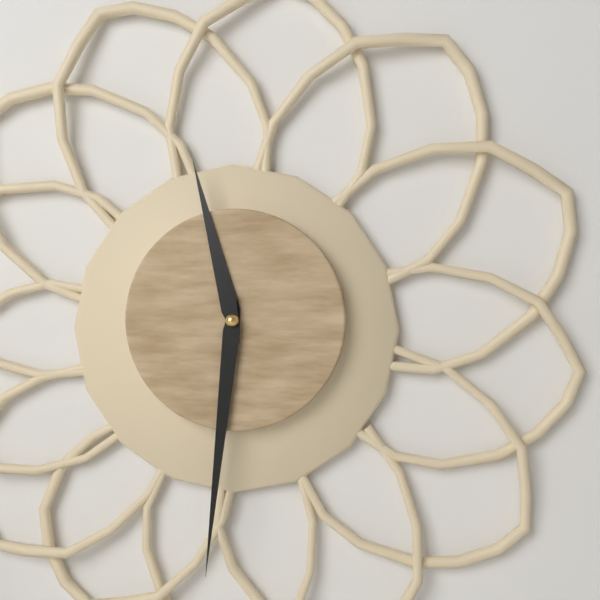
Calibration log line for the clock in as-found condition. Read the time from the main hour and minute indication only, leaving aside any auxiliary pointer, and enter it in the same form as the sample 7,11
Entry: 11,31
